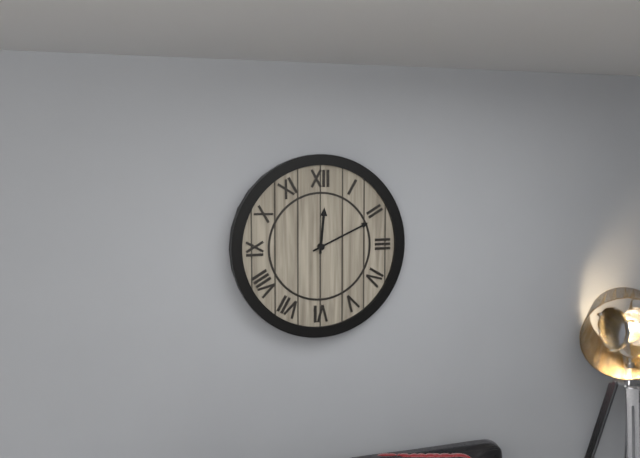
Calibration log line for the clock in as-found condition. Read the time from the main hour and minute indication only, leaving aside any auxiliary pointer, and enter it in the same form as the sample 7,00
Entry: 12,11
